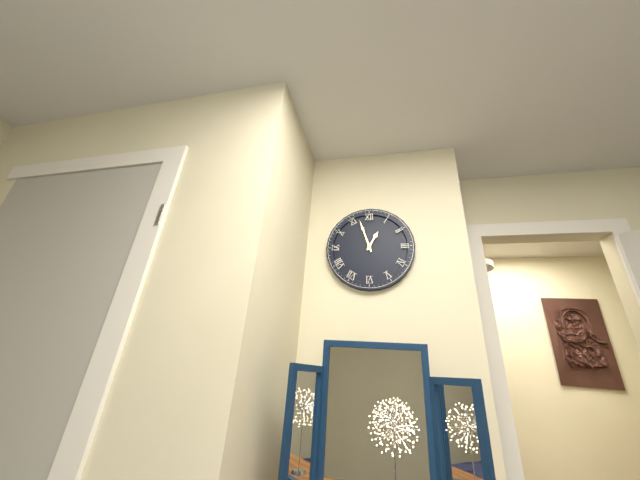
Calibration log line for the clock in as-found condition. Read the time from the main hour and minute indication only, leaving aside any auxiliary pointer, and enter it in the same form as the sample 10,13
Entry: 12,57
